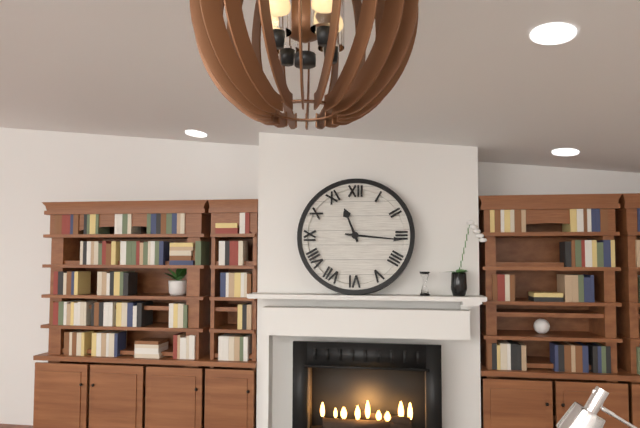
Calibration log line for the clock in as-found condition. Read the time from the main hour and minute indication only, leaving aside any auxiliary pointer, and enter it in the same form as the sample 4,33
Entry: 11,16
